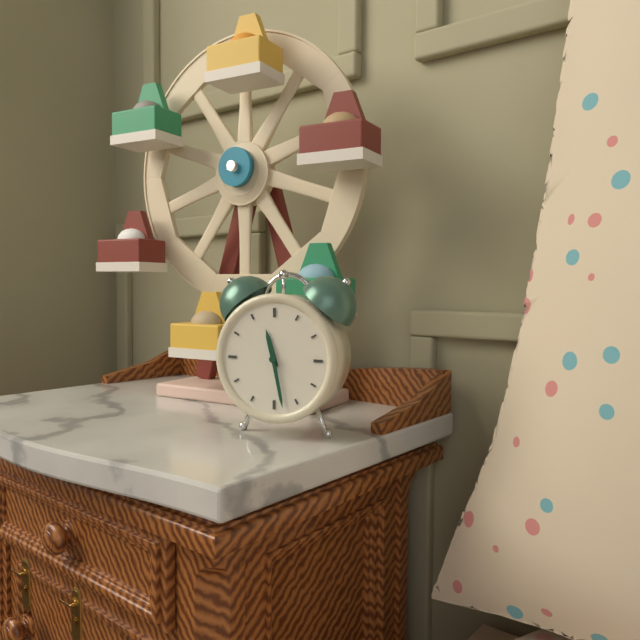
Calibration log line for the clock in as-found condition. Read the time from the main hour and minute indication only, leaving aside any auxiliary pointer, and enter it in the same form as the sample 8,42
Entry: 11,28
